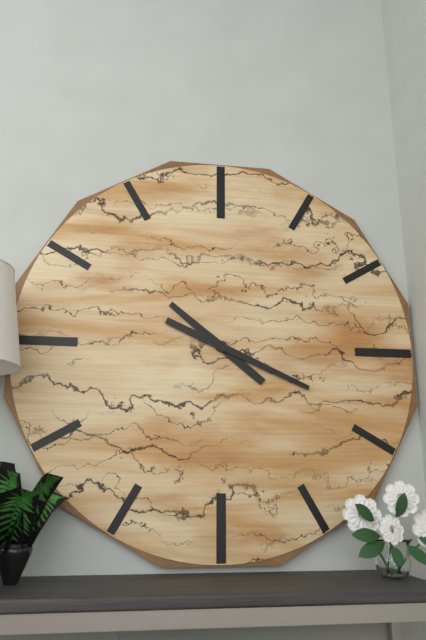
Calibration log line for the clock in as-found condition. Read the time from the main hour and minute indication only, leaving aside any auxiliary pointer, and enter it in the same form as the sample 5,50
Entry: 10,19
